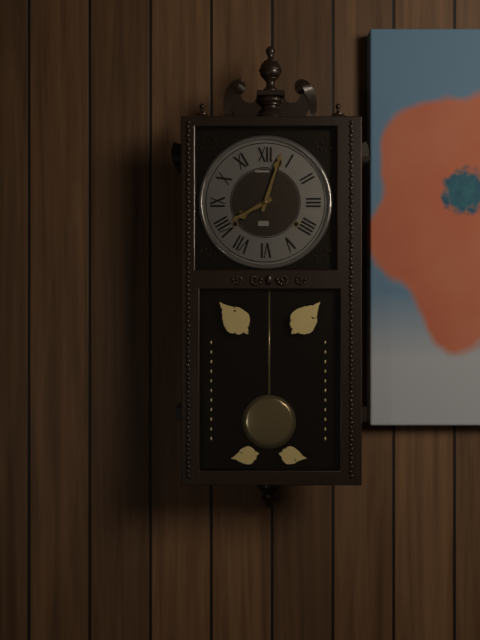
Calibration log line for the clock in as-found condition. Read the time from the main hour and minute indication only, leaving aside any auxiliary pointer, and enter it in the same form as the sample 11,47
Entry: 8,03
